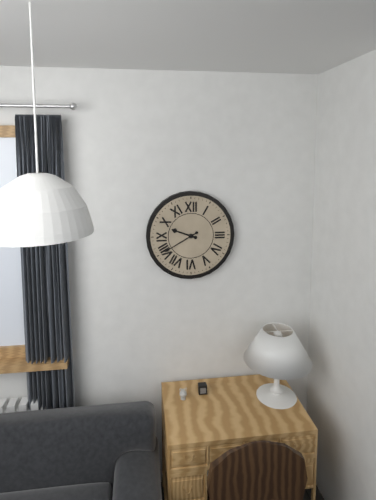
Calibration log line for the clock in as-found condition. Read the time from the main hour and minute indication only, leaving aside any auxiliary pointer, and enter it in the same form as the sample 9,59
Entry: 9,40
